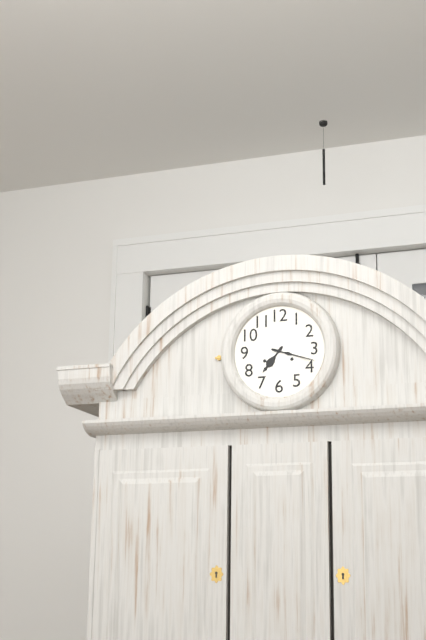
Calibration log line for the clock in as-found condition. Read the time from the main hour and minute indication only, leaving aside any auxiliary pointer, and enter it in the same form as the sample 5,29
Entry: 7,18
